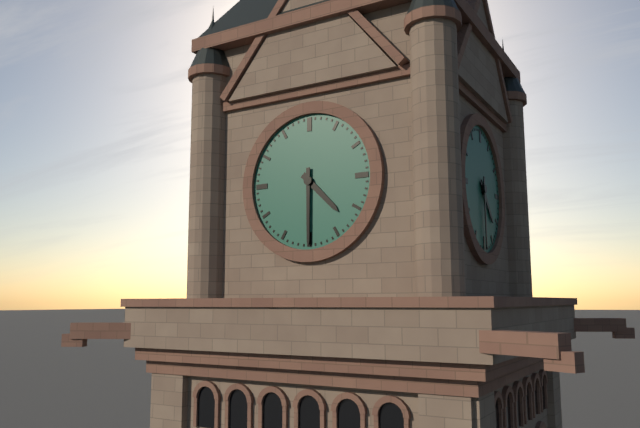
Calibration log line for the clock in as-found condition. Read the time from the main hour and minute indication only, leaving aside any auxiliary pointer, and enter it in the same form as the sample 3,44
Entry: 4,30
